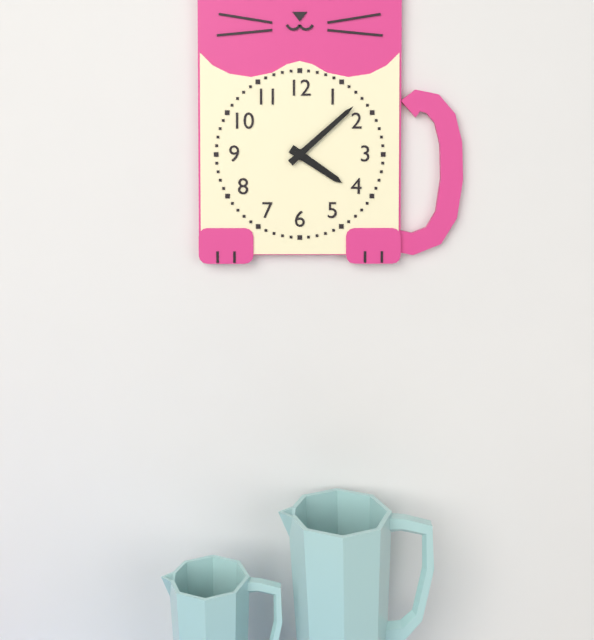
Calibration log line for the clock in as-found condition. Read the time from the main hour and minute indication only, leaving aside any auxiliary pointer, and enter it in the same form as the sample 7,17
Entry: 4,08
